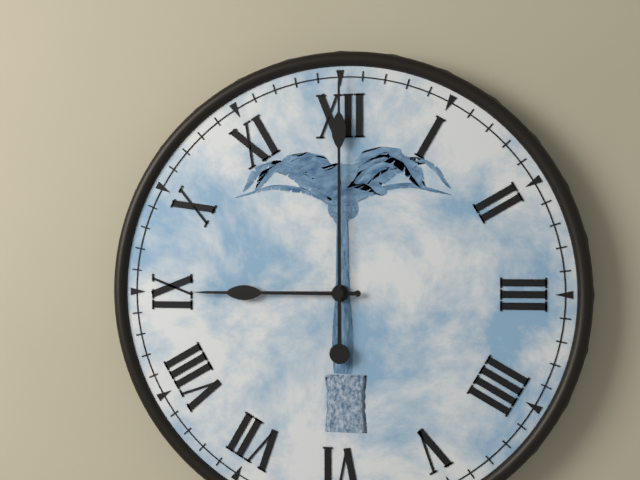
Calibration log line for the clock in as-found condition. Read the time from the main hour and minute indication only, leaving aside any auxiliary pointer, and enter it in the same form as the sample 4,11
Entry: 9,00
